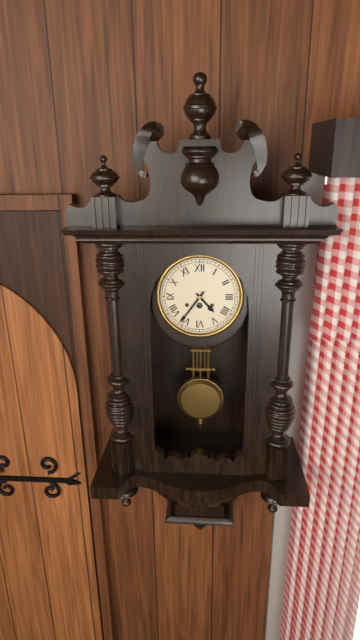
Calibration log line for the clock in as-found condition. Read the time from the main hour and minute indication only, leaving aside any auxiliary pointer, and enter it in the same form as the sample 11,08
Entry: 4,36
